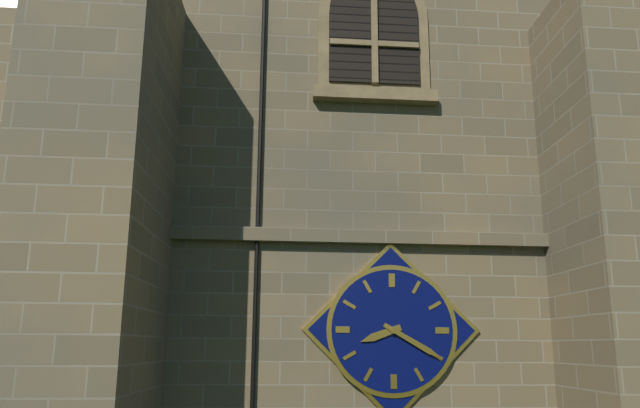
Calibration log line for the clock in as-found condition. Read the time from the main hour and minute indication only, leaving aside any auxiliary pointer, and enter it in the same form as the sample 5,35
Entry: 8,20
